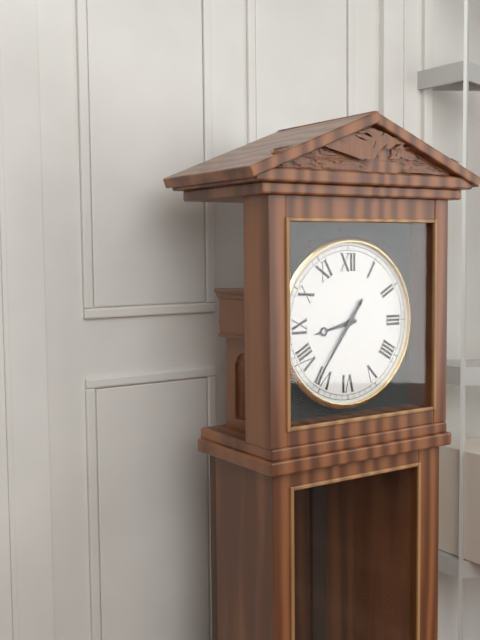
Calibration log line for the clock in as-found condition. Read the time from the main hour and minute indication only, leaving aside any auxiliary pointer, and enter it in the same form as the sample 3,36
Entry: 8,36
